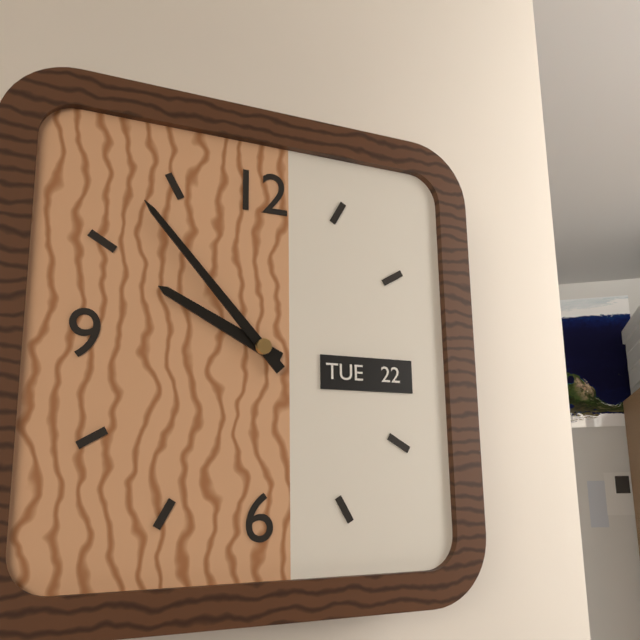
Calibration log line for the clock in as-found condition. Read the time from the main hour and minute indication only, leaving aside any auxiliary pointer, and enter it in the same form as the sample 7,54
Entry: 9,53
